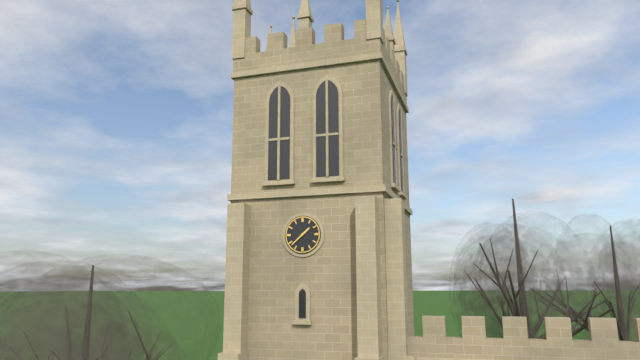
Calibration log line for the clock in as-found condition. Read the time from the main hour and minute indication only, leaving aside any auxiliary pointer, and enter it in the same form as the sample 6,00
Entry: 1,38
